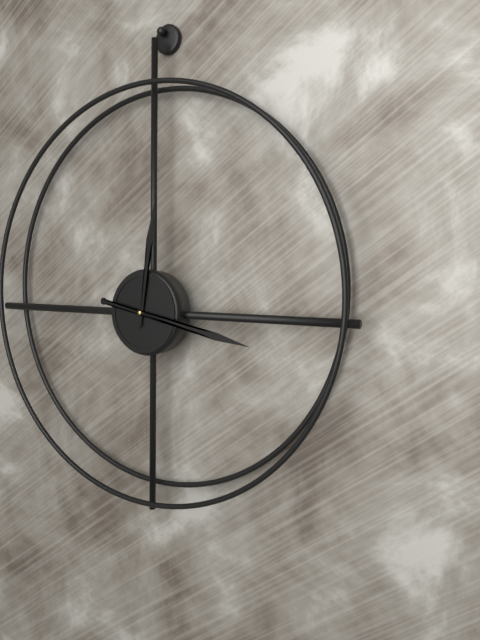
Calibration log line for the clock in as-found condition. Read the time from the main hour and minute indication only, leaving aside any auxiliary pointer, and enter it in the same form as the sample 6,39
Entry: 12,17
